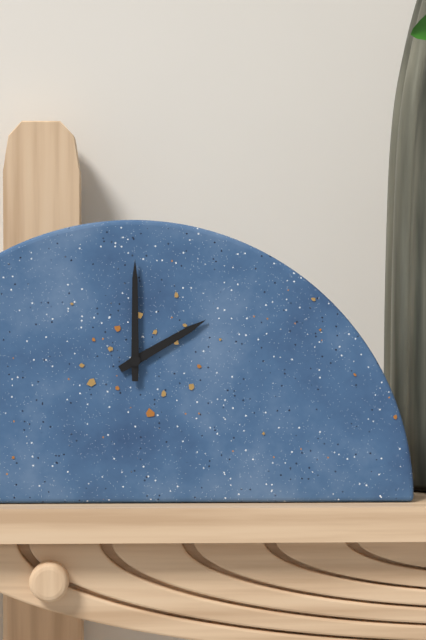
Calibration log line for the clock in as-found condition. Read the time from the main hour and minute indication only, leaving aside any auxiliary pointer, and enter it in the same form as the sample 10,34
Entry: 2,00
